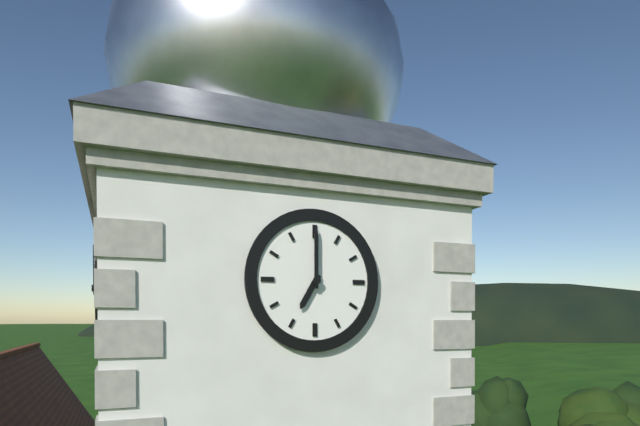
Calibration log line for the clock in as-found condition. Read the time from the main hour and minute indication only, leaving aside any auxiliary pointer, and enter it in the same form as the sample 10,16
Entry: 7,00
